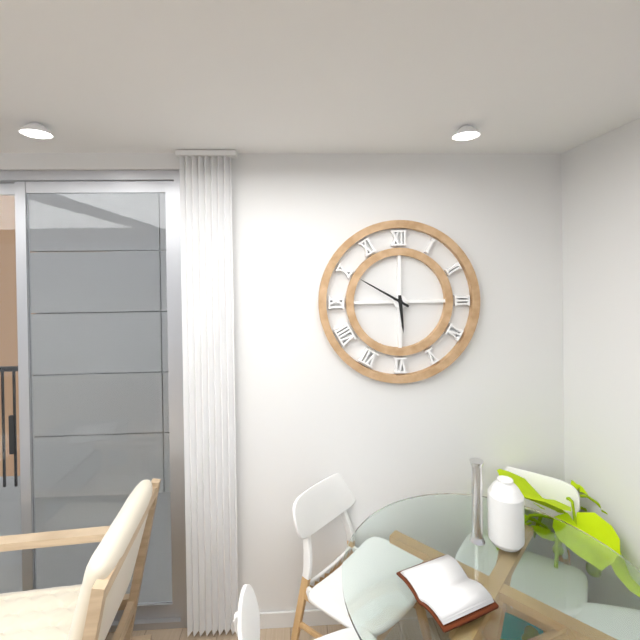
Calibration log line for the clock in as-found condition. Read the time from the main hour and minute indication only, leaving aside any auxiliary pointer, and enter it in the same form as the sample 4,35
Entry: 5,50
